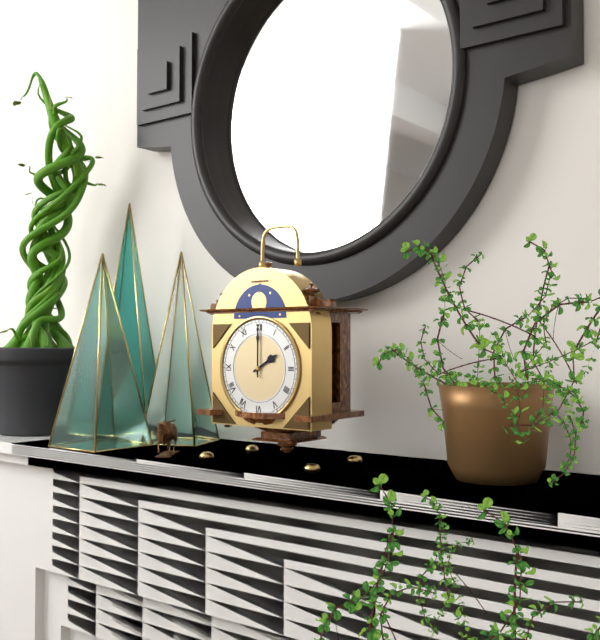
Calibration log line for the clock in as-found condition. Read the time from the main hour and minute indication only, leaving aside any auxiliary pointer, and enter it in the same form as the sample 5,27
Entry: 2,00
